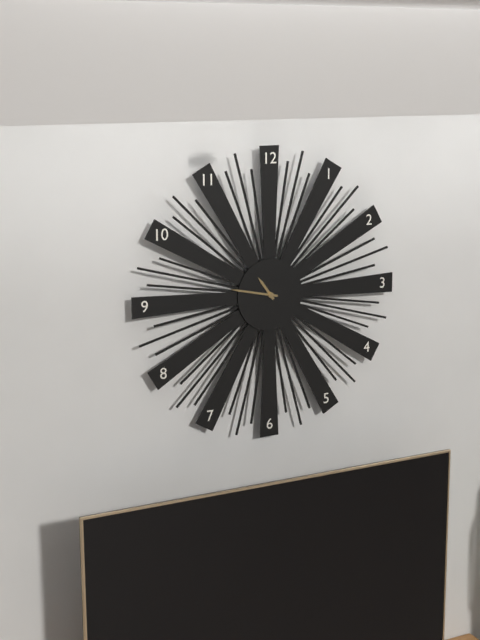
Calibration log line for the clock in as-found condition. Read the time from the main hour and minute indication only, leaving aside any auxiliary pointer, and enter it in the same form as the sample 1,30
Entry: 10,47
